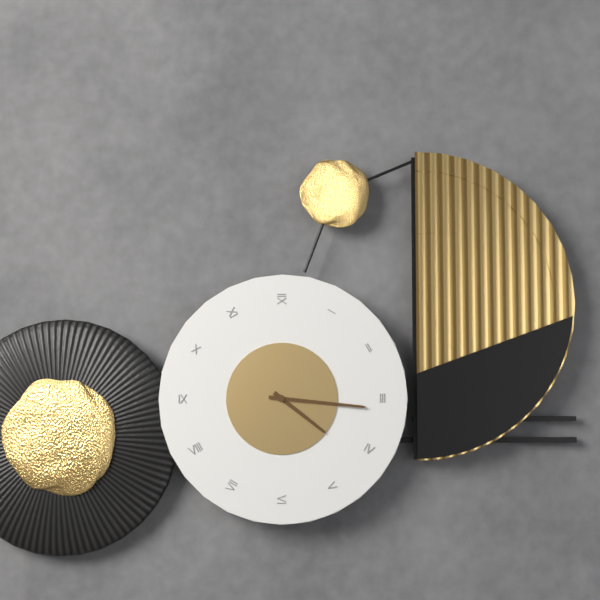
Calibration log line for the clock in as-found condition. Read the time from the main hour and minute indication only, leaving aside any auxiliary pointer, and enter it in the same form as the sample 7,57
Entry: 4,16
